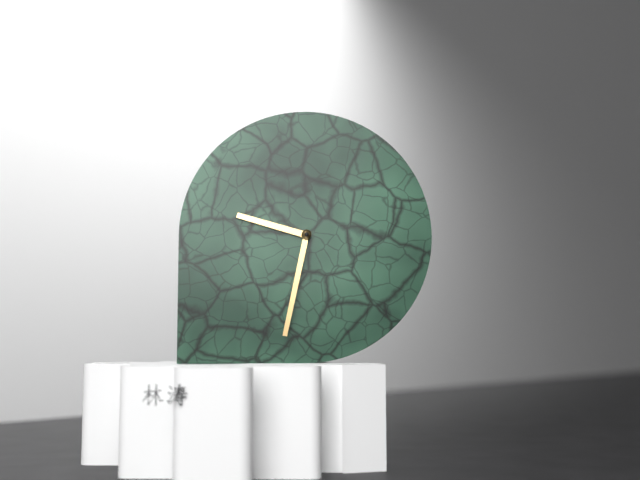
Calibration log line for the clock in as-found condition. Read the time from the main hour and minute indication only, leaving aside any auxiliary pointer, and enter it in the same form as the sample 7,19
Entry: 9,32
